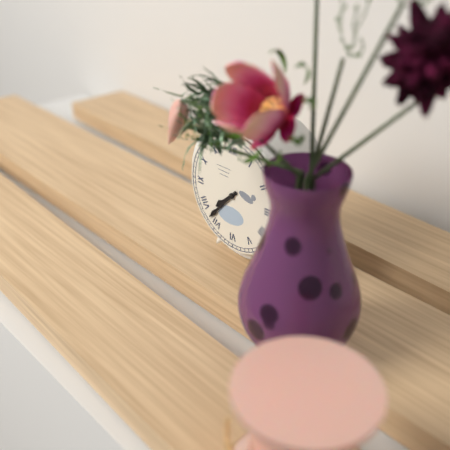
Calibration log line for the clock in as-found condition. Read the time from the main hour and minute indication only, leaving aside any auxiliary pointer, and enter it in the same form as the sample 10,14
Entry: 7,37
